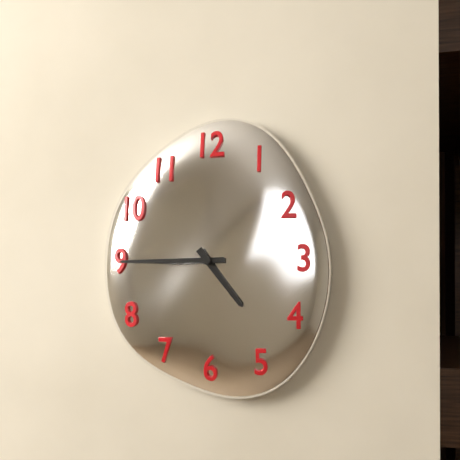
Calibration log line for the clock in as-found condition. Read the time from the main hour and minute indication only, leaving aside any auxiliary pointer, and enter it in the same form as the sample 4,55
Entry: 4,45
